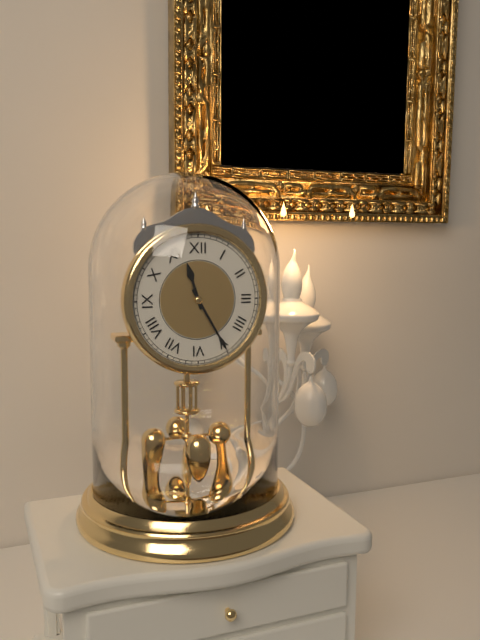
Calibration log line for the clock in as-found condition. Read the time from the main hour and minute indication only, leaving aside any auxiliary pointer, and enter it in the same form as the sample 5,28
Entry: 11,25
